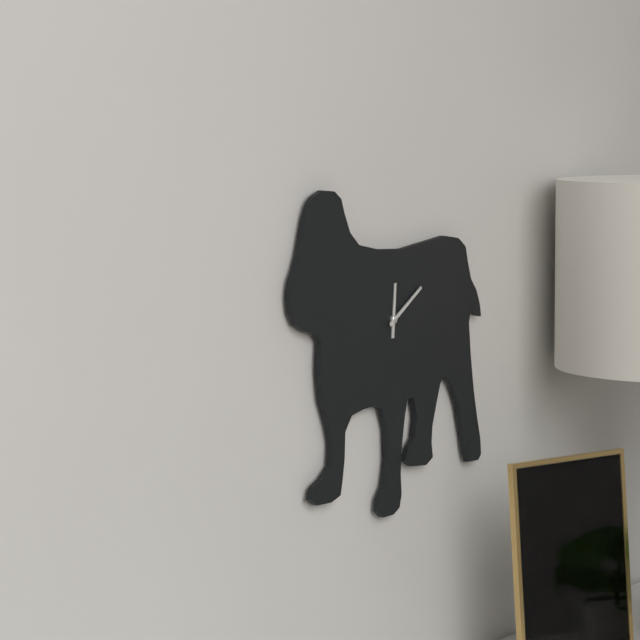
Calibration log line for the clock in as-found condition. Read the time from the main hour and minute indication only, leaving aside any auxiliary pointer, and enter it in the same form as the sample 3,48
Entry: 12,10
